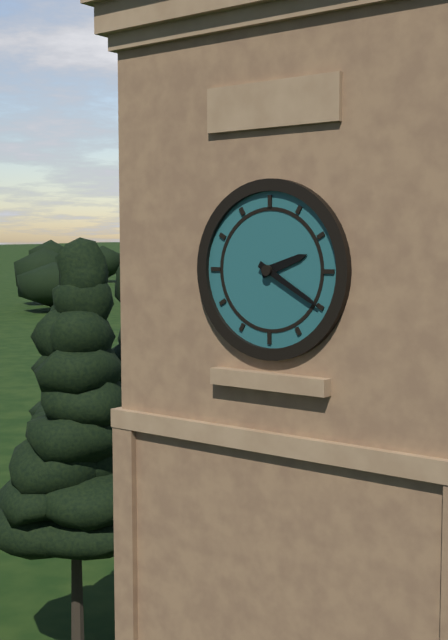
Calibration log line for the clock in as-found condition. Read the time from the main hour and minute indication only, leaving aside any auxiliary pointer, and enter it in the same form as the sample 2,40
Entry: 2,20
